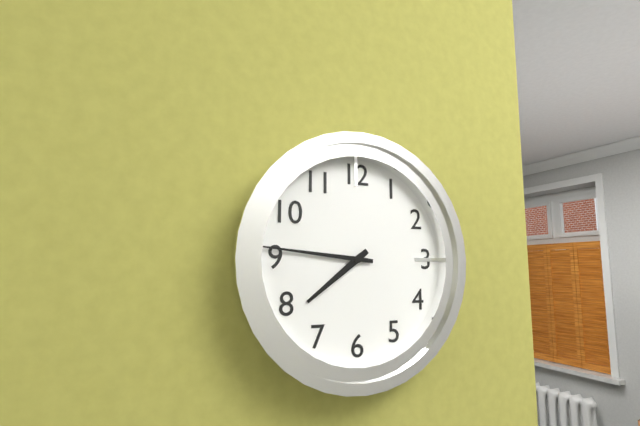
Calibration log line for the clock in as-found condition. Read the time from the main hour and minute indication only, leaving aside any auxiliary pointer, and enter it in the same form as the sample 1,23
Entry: 7,46
